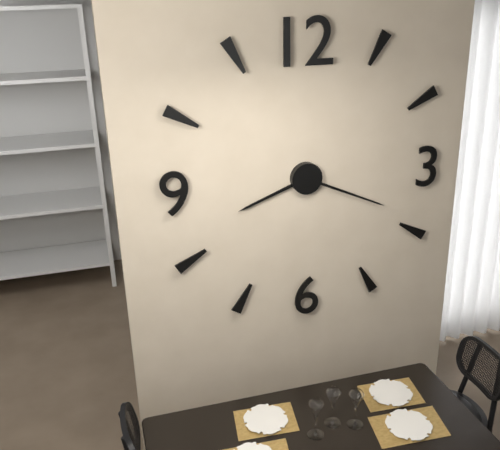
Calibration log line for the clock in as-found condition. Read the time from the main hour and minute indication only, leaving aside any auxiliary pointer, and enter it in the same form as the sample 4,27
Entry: 8,19
